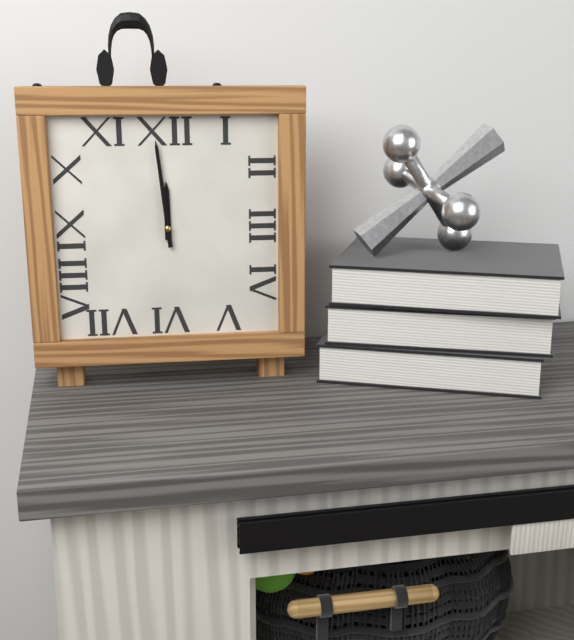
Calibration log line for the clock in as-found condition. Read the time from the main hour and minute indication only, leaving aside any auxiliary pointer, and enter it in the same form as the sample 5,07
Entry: 11,59
